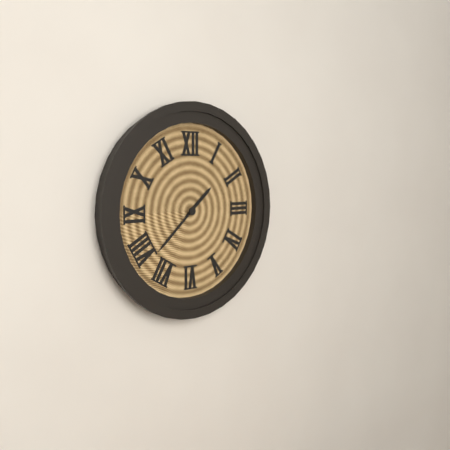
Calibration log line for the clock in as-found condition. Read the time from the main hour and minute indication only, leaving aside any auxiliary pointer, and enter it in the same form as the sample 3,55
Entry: 1,38
